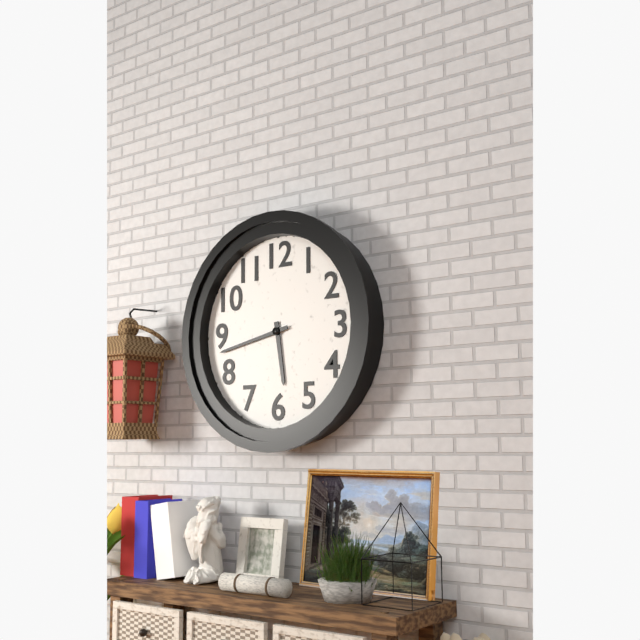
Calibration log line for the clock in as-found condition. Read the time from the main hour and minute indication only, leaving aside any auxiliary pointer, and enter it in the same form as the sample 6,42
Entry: 5,43
